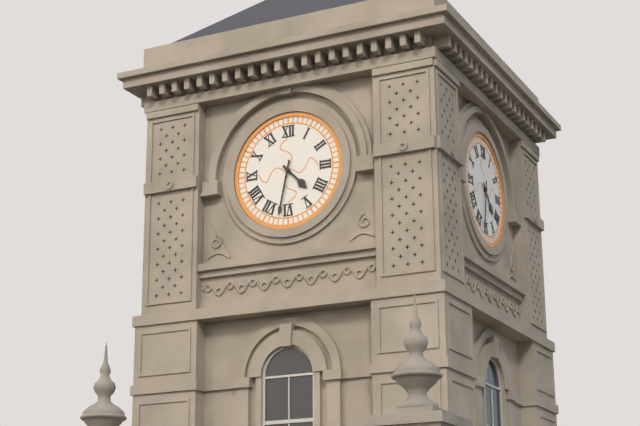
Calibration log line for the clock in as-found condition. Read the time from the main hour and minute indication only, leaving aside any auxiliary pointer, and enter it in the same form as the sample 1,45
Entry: 4,32
